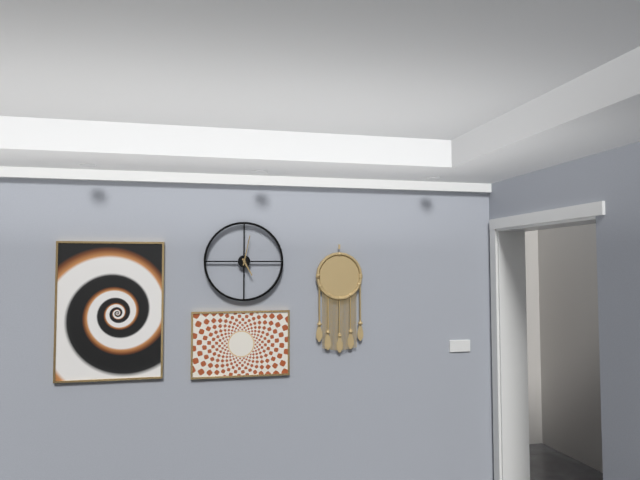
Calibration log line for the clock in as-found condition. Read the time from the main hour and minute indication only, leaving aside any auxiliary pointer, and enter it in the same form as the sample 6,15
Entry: 5,02
